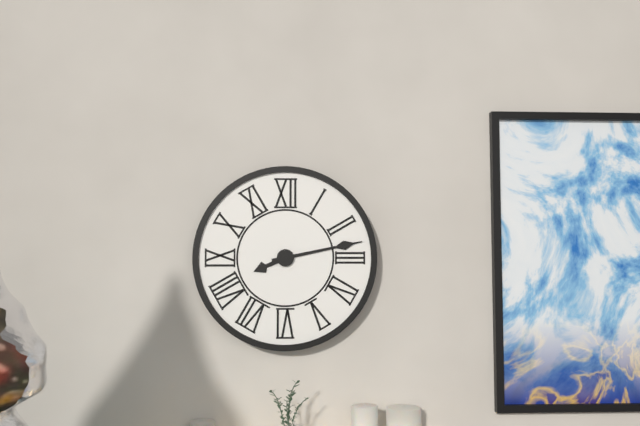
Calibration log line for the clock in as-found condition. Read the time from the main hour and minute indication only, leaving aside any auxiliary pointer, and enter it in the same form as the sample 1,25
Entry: 8,13
